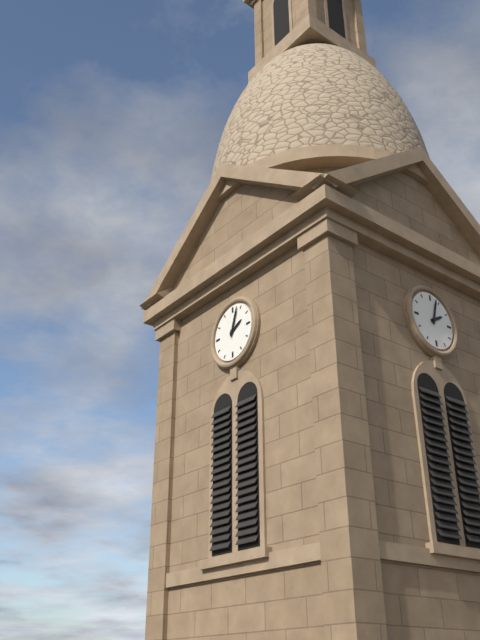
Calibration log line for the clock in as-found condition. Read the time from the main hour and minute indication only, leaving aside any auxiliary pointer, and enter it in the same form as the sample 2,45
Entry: 2,03
